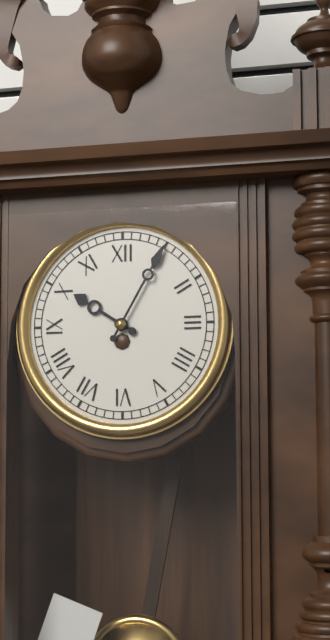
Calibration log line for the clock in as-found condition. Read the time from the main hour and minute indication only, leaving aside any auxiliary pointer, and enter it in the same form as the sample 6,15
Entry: 10,05
